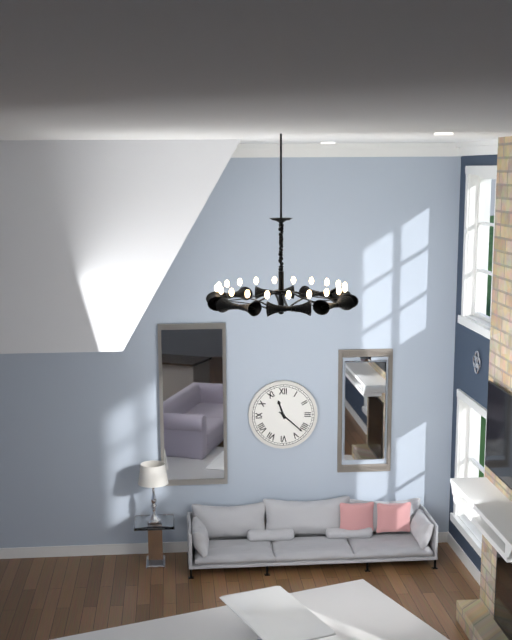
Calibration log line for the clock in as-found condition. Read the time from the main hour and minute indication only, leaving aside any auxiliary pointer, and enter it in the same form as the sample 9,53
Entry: 11,22
